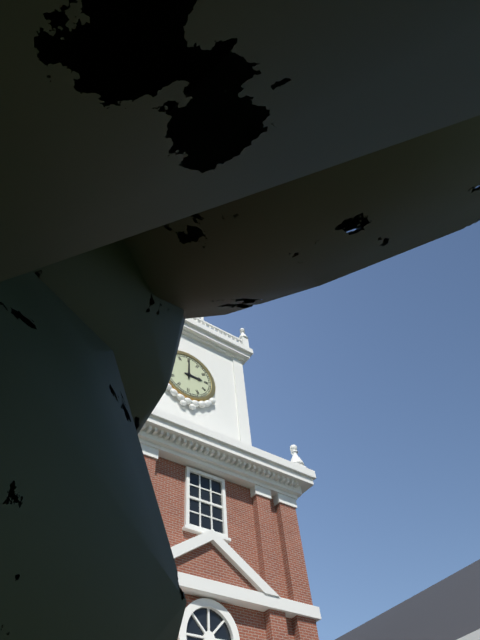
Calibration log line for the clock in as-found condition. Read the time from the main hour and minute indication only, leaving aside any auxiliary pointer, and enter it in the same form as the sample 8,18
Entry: 3,00
